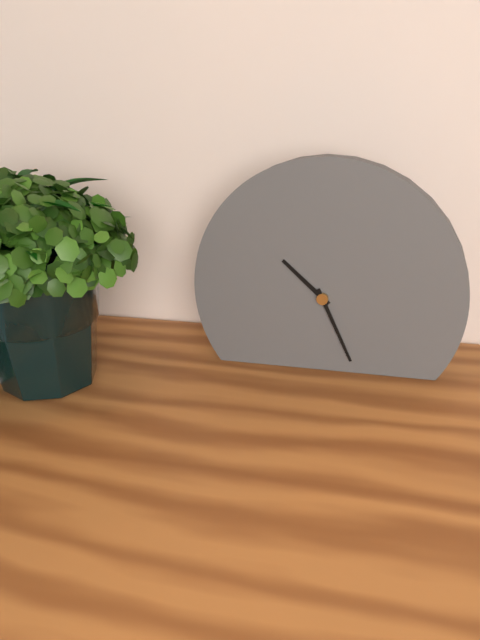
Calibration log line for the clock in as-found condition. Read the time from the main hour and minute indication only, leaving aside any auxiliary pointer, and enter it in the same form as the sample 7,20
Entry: 10,26
